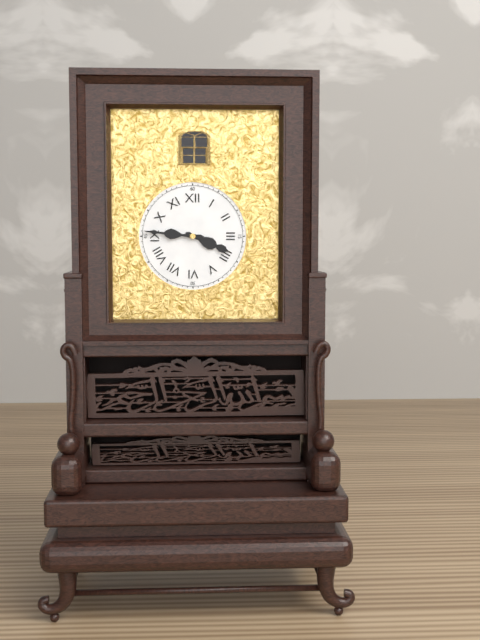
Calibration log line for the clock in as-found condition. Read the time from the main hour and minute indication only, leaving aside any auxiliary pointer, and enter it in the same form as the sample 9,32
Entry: 3,46
